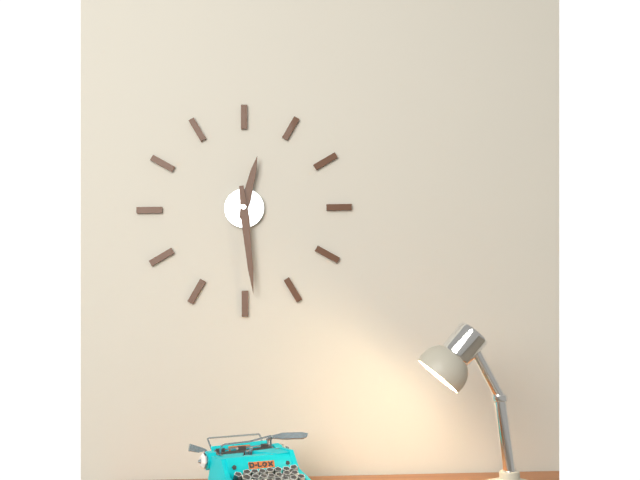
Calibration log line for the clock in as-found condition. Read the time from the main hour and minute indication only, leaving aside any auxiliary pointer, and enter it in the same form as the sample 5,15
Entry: 12,29
